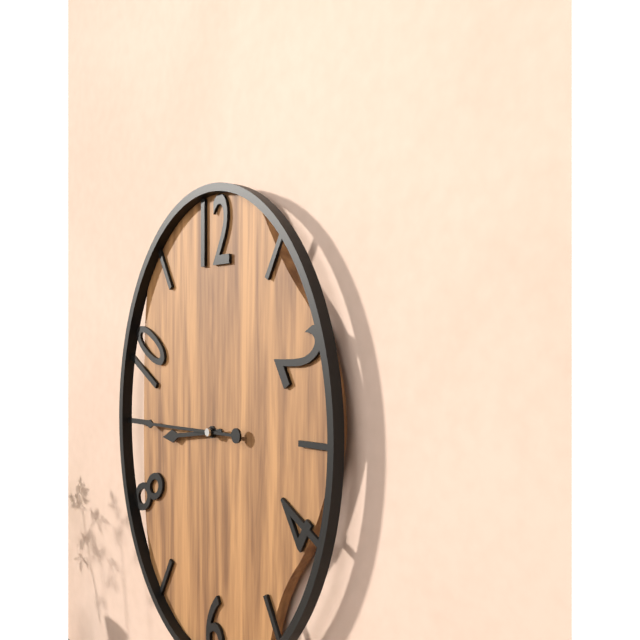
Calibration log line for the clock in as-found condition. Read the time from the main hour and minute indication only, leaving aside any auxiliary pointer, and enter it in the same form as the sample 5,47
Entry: 8,45
